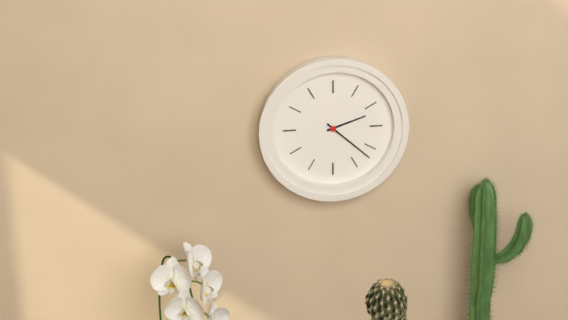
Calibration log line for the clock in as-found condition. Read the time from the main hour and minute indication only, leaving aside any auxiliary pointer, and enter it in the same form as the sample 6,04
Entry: 2,22
